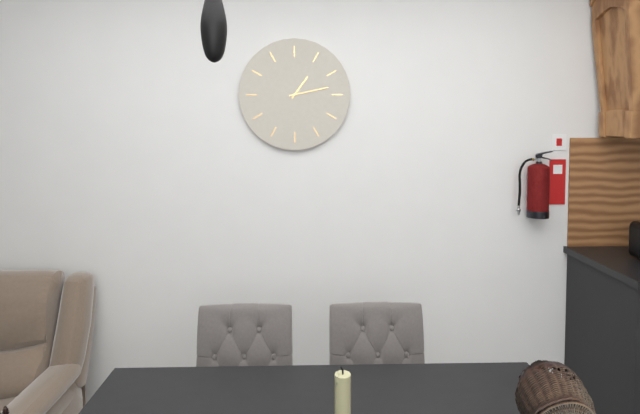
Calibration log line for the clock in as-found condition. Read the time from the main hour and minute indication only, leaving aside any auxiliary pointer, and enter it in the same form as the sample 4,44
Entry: 1,13
